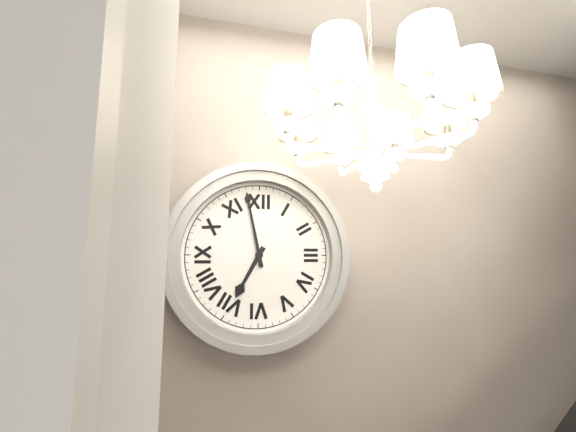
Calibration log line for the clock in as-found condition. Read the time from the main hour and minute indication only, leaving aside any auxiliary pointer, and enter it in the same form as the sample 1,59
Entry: 6,58
